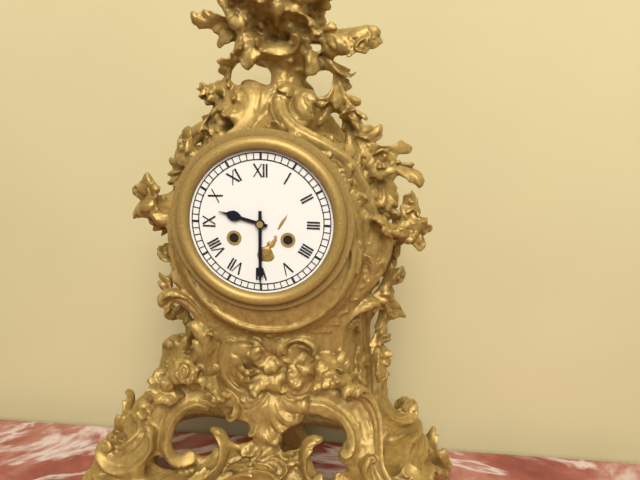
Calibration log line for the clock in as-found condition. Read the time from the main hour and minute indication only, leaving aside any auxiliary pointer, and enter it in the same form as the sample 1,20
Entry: 9,30
